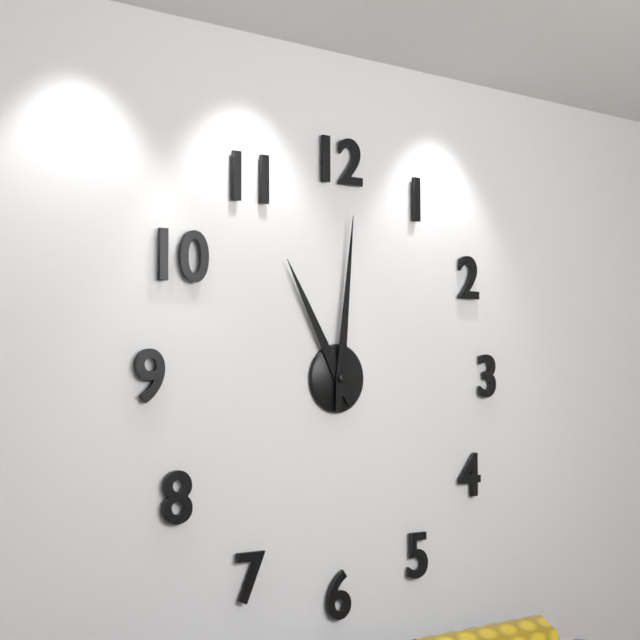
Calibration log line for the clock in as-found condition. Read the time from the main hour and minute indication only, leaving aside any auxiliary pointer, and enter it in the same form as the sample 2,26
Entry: 11,01
